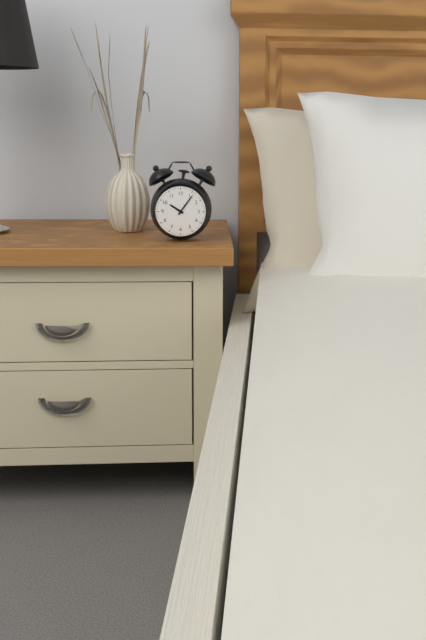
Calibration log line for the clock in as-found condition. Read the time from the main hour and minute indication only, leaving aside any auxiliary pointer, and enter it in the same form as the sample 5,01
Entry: 10,06
